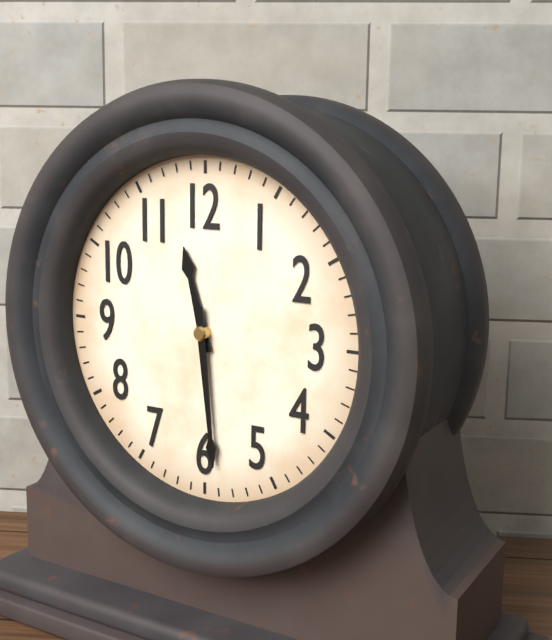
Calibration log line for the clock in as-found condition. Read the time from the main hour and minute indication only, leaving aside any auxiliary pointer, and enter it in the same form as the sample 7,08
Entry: 11,29
